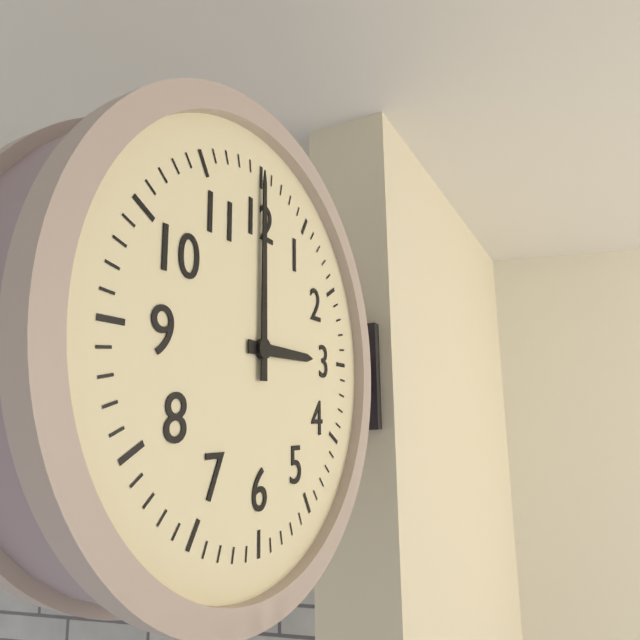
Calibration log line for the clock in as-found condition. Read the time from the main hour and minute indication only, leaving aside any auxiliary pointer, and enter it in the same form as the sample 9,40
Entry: 3,00
